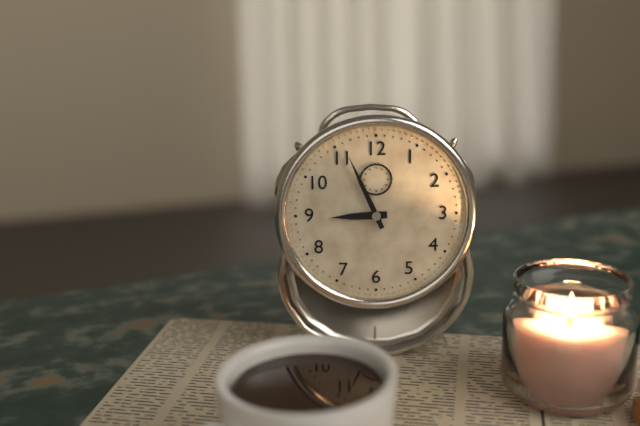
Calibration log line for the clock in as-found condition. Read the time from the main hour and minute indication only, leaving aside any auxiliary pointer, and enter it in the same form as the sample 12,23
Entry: 8,56
